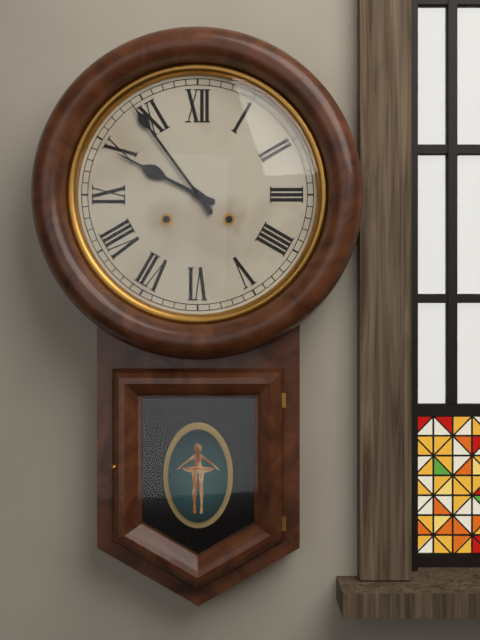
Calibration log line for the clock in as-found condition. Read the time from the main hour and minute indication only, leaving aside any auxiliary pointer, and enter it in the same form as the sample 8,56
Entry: 9,54
